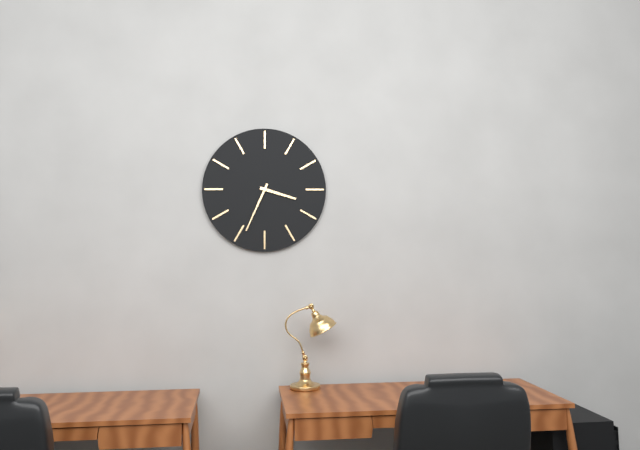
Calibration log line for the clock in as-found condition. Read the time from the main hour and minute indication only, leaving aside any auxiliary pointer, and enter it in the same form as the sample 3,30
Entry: 3,34
